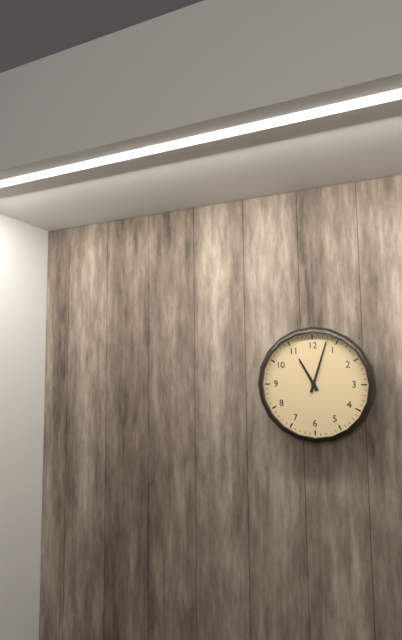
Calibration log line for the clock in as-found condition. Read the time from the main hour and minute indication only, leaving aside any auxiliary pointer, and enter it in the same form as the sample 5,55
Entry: 11,03
